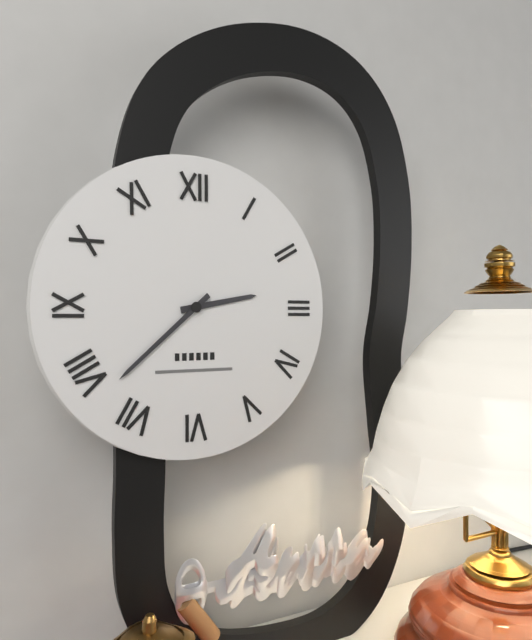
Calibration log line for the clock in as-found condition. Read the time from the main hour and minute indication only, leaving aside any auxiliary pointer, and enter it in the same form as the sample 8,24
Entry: 2,38
